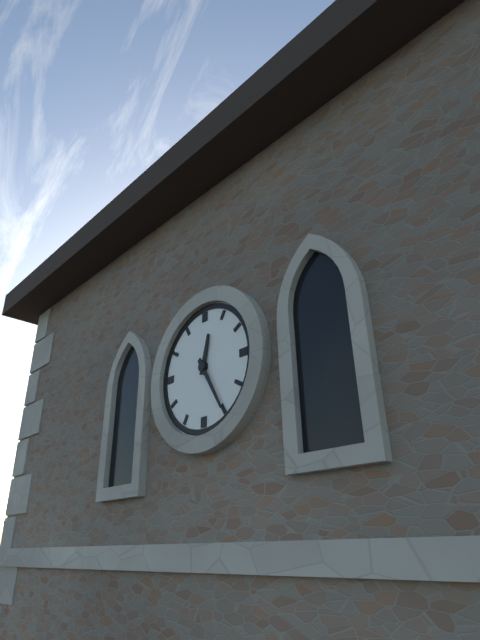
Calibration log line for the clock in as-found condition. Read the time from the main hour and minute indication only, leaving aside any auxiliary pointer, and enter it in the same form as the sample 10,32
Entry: 12,25
